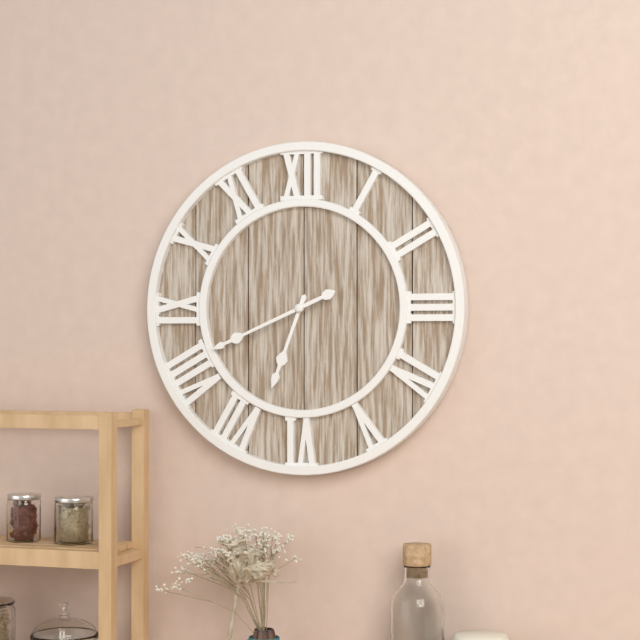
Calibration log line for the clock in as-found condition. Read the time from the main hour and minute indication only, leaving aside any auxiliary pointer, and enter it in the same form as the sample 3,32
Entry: 6,41
